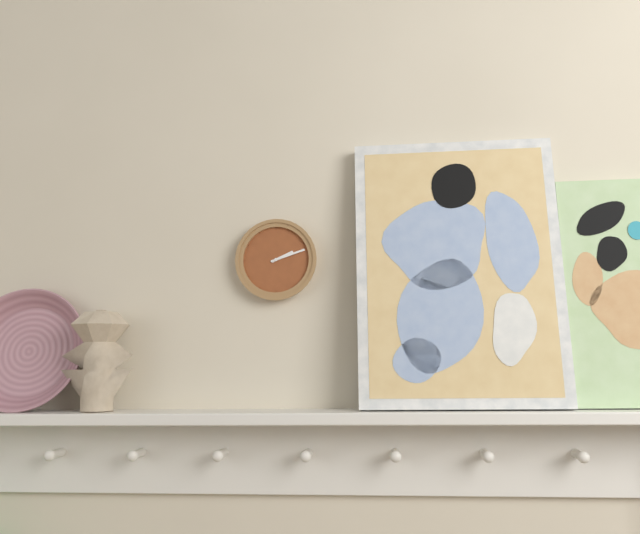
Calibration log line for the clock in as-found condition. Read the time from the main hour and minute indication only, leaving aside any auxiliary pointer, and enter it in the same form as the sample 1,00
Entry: 2,12
